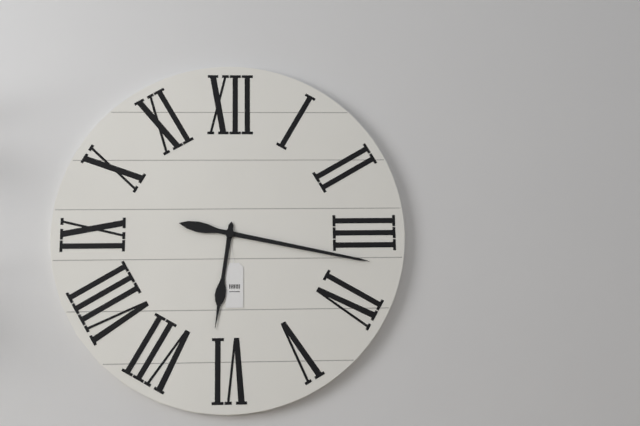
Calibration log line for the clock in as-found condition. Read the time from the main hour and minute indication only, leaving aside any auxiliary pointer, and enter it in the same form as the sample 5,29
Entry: 6,17
